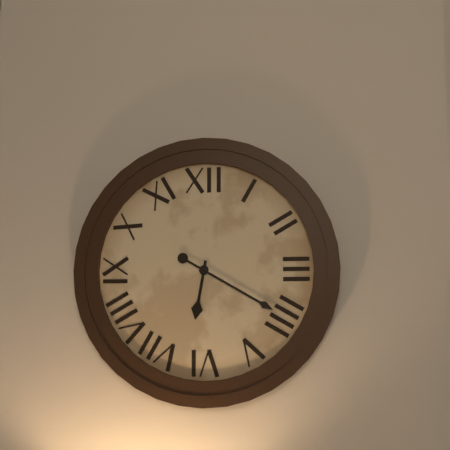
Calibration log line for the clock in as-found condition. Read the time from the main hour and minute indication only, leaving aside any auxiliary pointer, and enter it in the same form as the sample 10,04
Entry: 6,20
